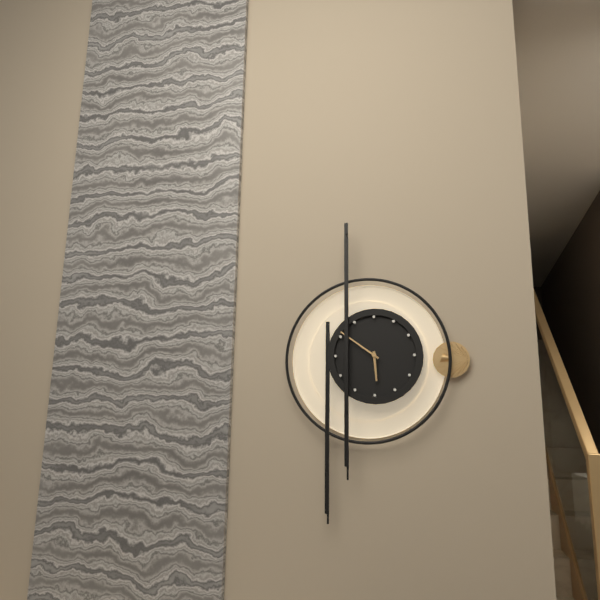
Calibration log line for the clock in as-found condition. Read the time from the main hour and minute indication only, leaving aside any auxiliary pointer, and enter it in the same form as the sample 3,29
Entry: 5,51
